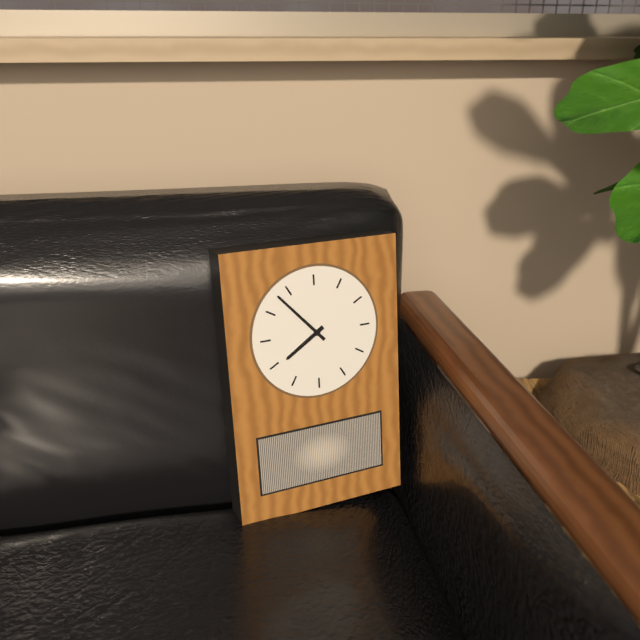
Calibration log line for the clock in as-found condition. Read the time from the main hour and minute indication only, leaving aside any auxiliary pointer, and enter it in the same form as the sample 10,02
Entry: 7,53
